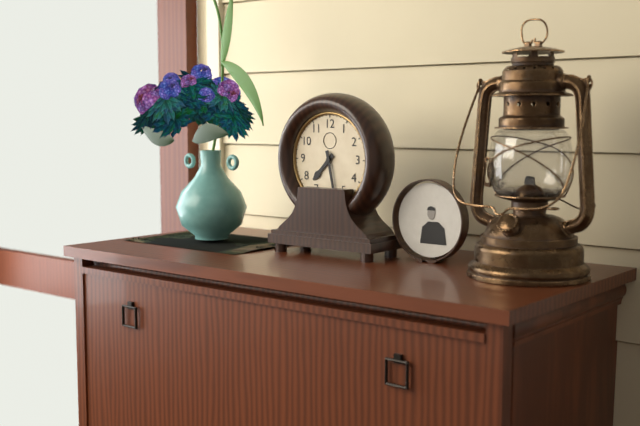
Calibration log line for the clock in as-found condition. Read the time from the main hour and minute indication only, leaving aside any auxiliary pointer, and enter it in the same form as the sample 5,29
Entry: 7,28
